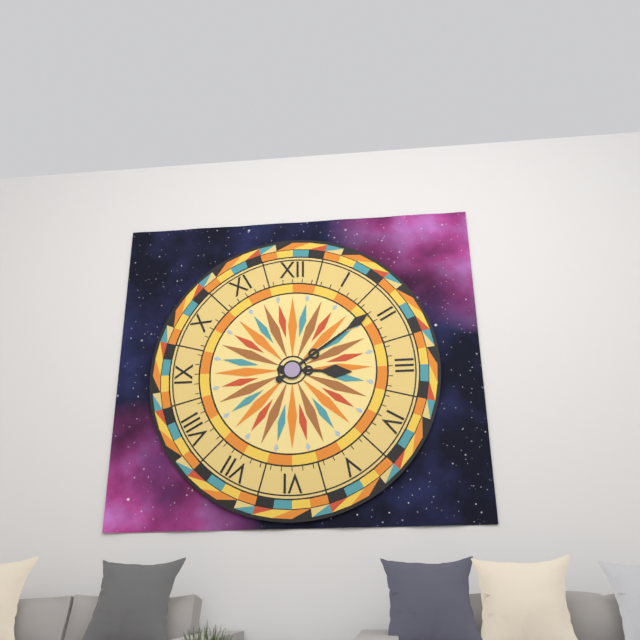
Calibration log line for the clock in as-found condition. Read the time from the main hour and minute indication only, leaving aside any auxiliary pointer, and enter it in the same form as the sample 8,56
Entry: 3,09
